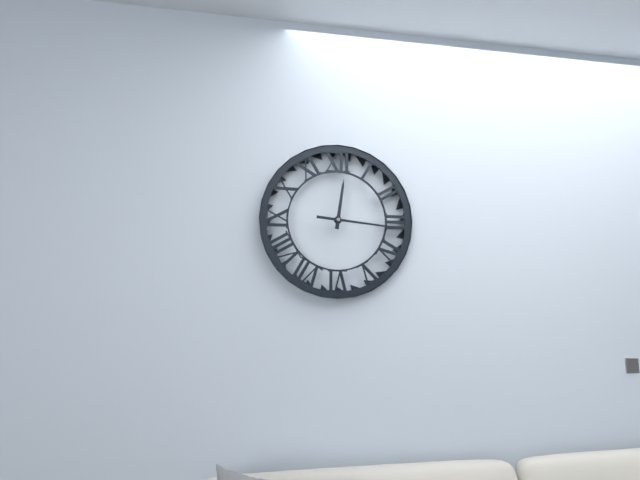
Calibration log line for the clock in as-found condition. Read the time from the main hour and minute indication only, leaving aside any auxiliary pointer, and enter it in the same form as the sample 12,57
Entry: 12,16
